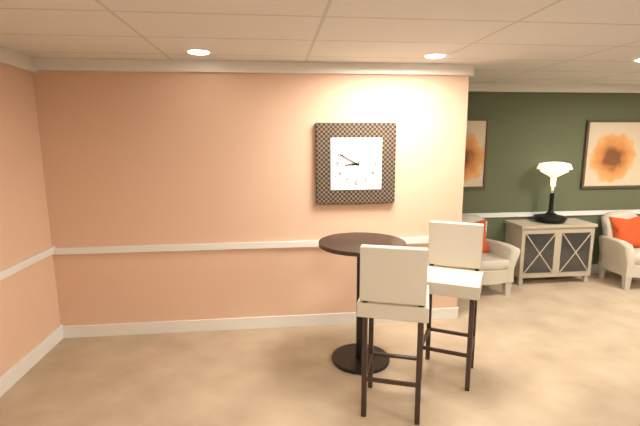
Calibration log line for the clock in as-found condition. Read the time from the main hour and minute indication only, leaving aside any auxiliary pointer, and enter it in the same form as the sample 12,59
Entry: 8,50
